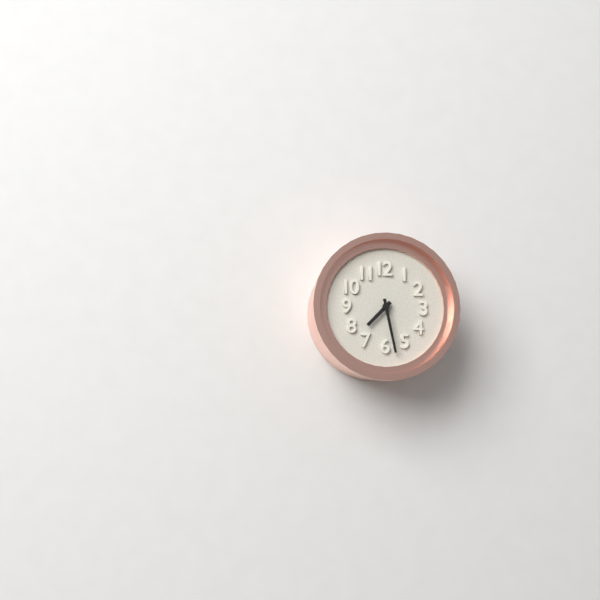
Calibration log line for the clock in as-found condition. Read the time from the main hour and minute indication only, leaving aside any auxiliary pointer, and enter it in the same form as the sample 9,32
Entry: 7,28
